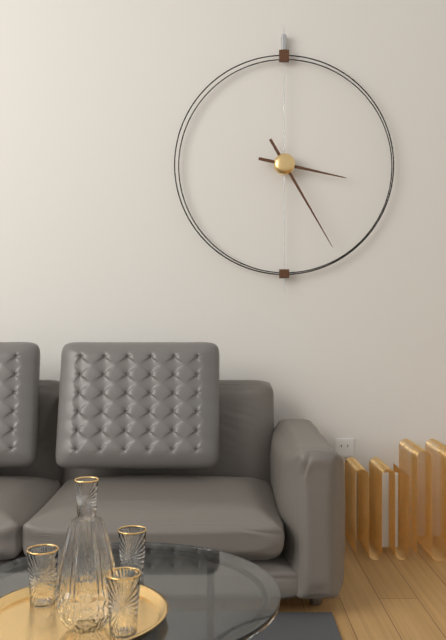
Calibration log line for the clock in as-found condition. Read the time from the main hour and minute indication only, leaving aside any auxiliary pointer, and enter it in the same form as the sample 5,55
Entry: 3,25
